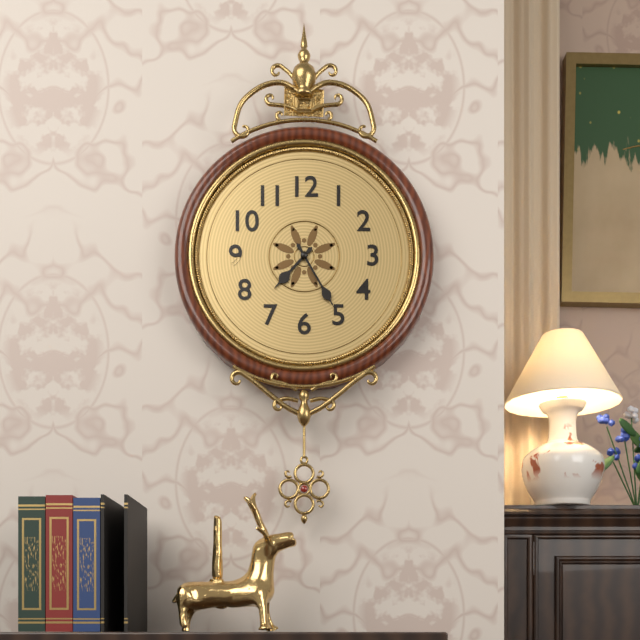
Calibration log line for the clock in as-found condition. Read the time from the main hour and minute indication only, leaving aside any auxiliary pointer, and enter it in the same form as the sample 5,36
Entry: 7,25
